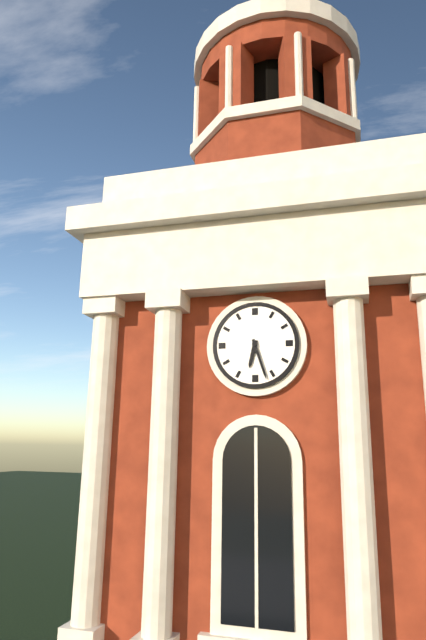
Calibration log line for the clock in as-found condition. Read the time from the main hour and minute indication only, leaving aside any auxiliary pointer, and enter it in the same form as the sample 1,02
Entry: 6,27
